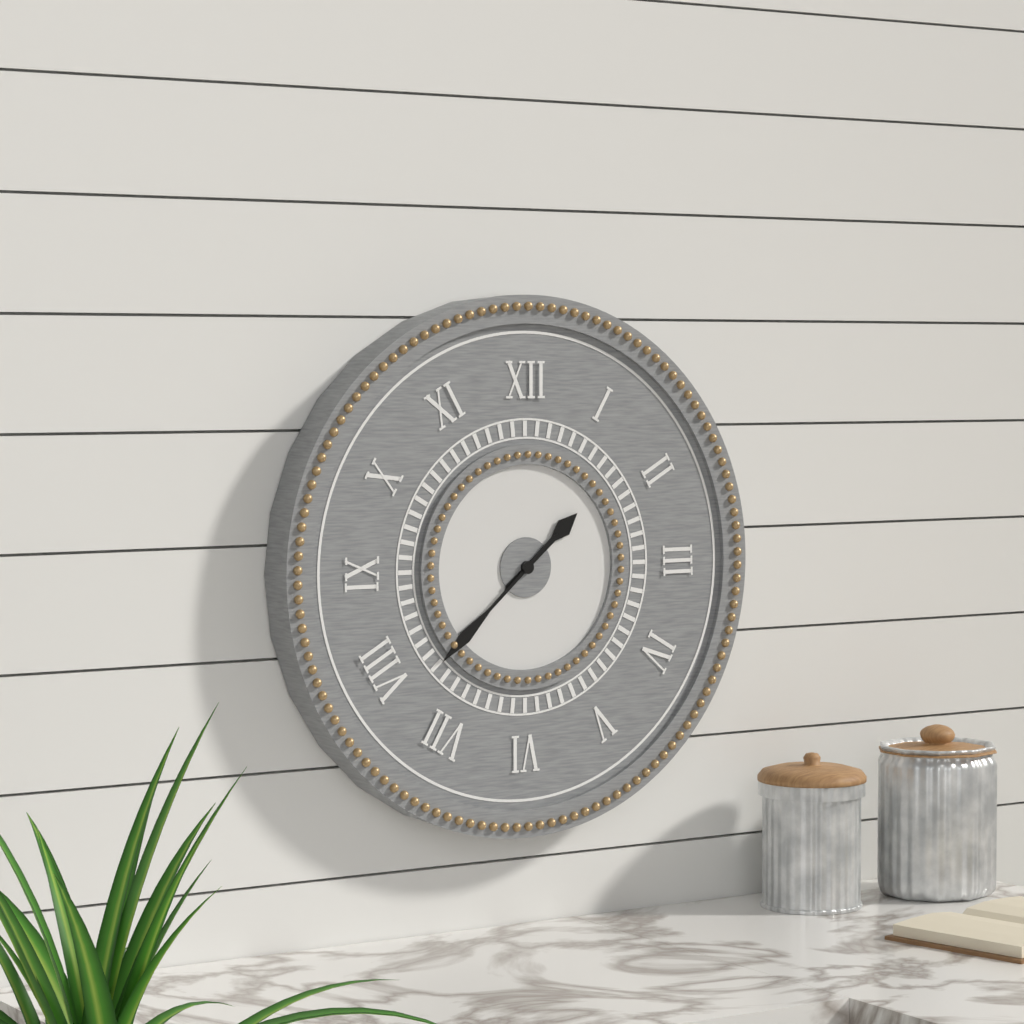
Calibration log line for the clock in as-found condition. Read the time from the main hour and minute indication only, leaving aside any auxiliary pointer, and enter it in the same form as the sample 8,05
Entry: 1,38
